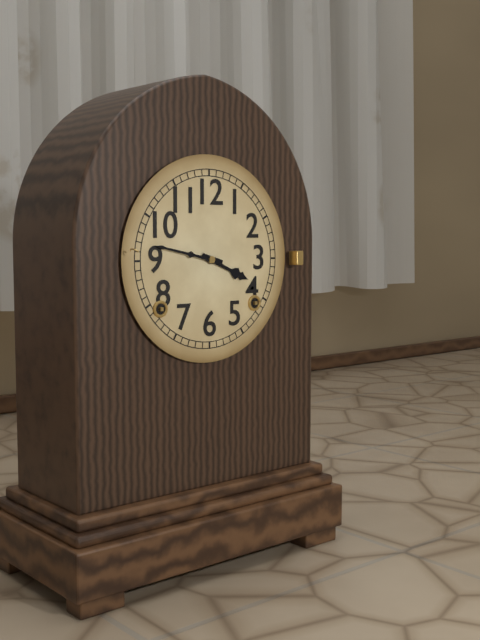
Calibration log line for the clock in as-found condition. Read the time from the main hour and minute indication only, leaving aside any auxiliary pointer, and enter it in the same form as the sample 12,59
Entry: 3,47
